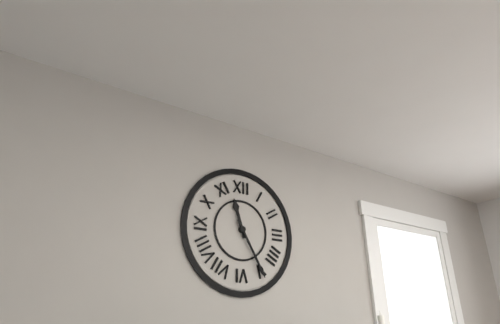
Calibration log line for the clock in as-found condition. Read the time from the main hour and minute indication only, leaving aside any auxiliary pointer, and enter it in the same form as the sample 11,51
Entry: 11,25
